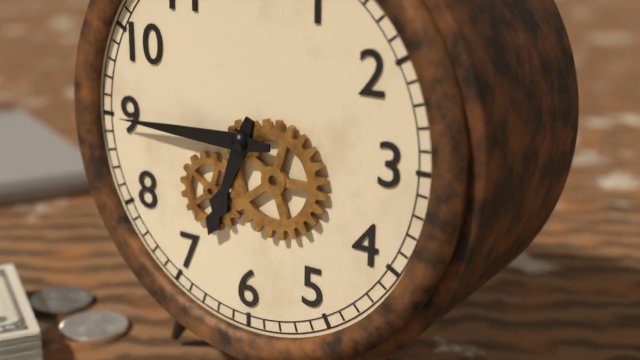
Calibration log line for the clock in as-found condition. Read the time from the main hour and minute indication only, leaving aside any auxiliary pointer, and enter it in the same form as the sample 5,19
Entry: 6,45
